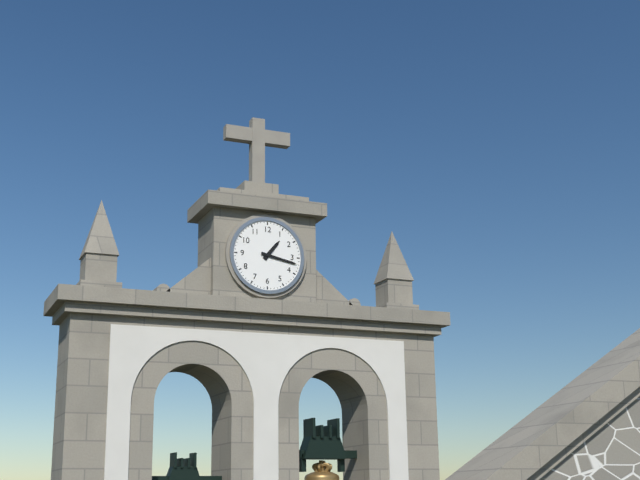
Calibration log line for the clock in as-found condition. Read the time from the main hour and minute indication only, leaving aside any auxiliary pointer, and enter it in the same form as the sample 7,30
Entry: 1,17
